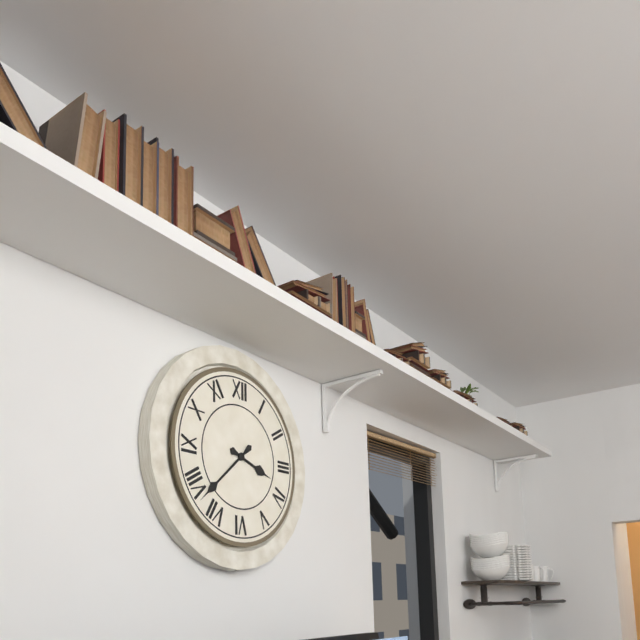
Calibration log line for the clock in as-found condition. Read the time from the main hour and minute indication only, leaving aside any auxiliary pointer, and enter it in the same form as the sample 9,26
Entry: 3,38
